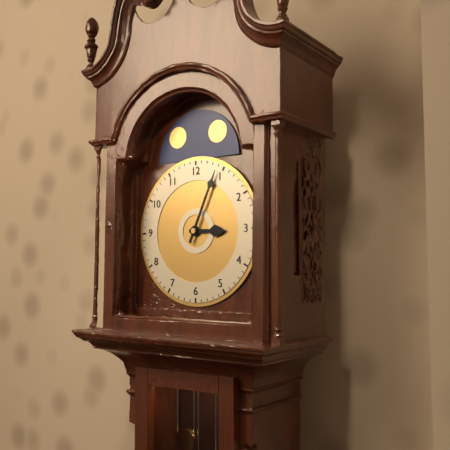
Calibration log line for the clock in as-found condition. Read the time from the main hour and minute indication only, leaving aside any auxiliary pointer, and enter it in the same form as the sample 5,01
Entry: 3,04
